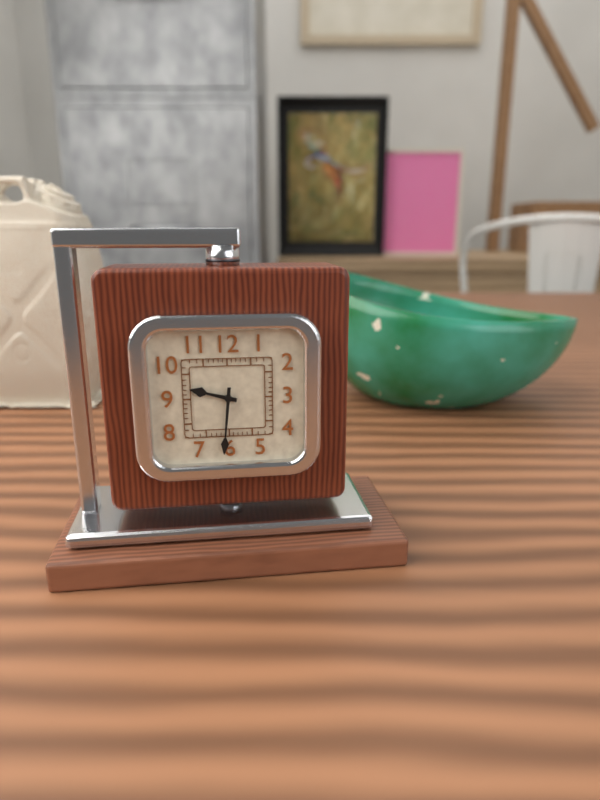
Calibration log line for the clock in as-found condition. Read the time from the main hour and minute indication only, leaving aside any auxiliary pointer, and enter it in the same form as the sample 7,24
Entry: 9,31
